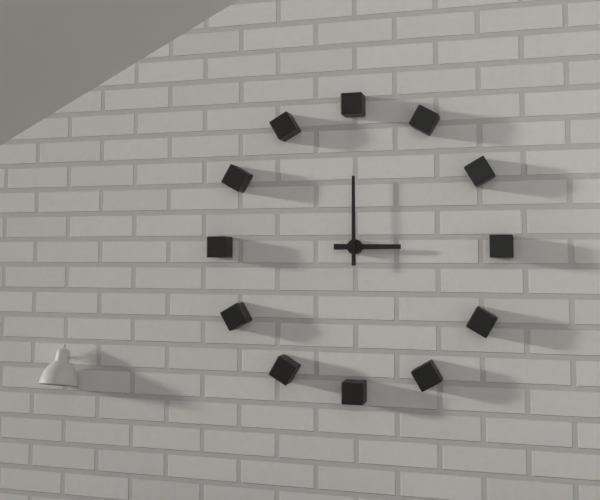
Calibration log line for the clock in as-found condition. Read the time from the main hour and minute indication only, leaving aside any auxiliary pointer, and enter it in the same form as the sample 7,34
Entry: 3,00
